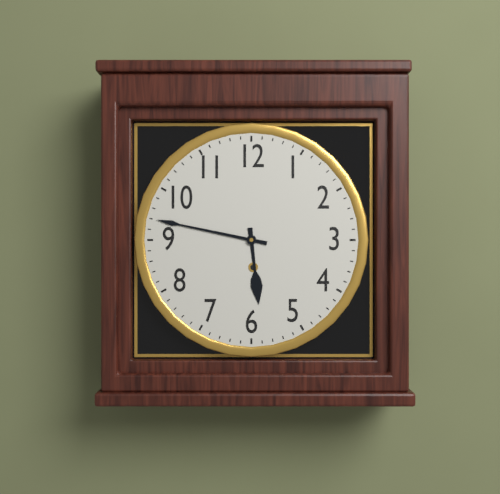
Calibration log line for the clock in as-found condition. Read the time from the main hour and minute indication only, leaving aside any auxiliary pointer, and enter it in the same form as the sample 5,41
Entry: 5,47
